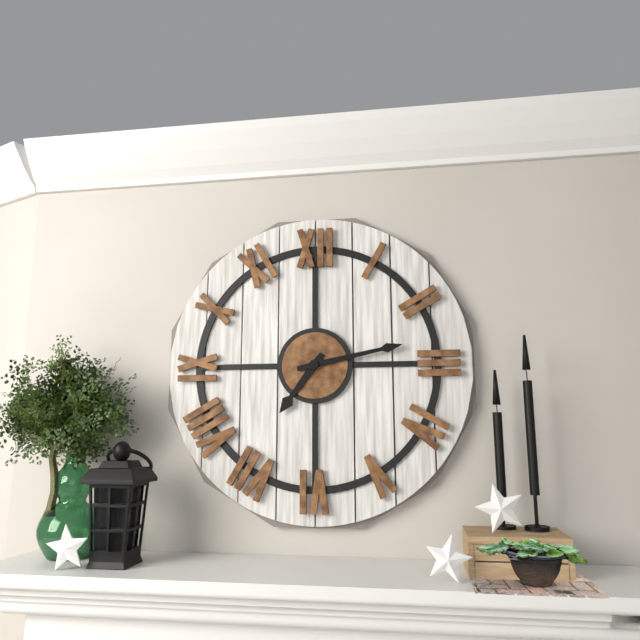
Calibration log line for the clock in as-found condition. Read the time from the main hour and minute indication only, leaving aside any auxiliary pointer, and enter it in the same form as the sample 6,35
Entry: 7,13
